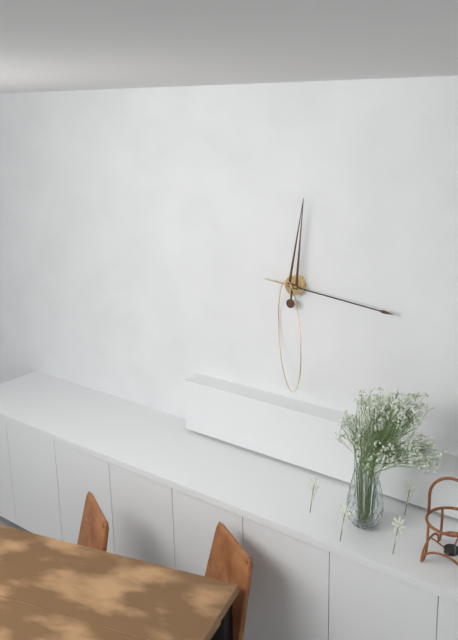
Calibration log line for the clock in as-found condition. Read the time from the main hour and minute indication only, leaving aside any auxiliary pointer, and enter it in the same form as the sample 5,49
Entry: 12,16
